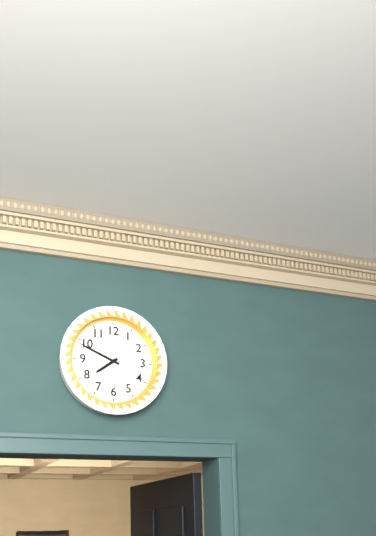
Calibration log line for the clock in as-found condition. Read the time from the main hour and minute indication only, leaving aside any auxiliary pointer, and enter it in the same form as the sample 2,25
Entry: 7,49
